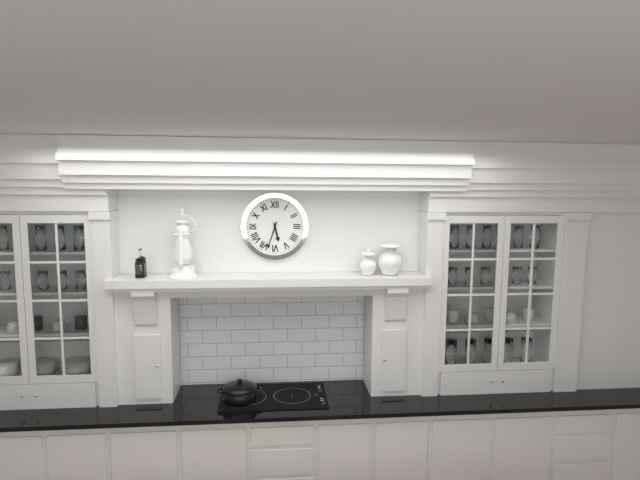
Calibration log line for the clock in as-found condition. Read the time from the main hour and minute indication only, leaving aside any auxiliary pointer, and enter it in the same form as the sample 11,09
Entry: 5,33
